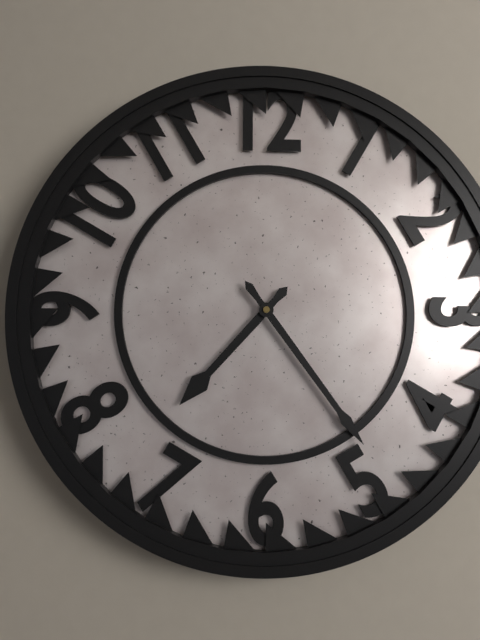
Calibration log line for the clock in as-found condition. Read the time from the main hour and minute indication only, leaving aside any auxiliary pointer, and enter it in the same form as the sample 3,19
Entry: 7,24
